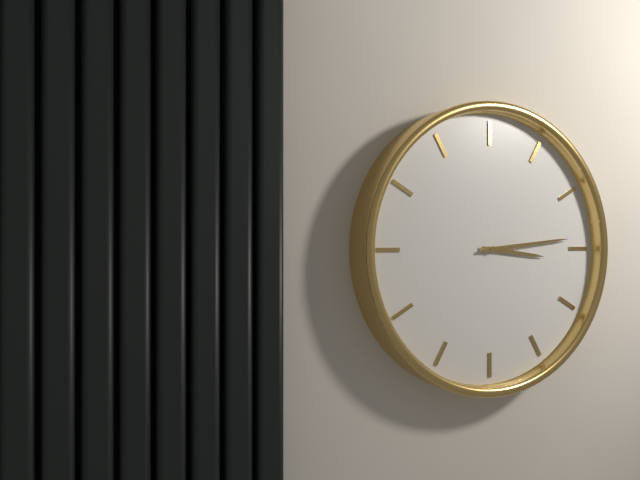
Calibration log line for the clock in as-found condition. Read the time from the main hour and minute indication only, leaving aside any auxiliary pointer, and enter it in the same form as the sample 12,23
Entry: 3,14
